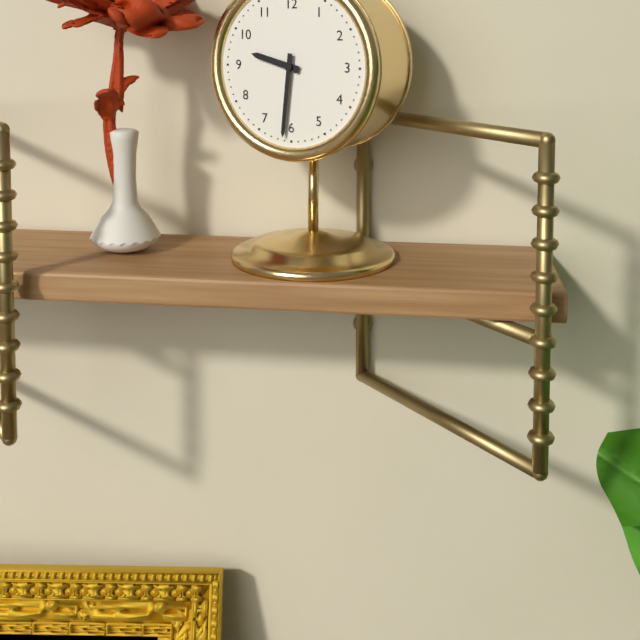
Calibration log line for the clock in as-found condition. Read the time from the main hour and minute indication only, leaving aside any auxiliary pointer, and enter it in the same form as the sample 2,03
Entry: 9,31
